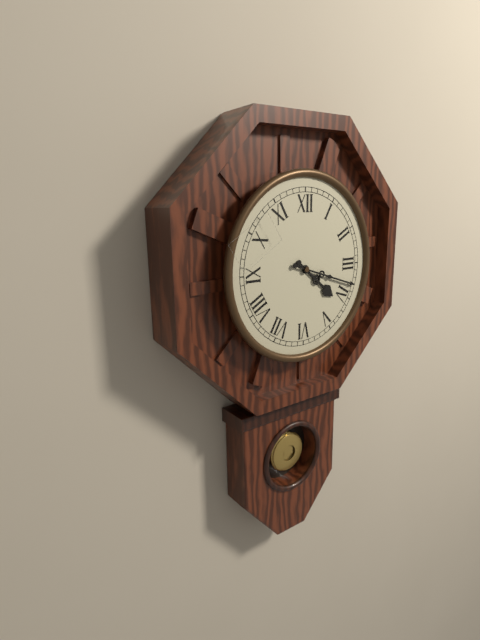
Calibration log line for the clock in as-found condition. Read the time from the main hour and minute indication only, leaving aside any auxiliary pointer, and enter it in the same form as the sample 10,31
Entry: 4,18
